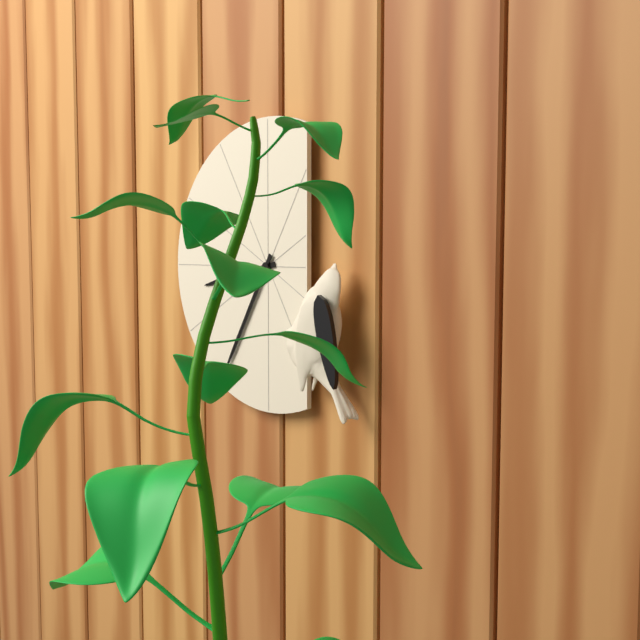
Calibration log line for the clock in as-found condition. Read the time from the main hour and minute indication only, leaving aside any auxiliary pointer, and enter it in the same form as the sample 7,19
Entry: 8,35
